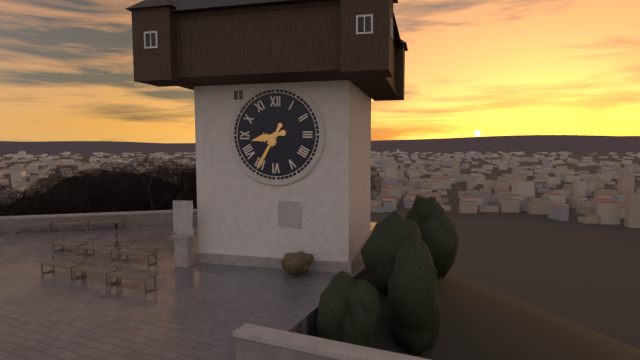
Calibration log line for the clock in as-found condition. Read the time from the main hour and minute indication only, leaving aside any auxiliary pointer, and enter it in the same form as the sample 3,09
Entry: 8,35
